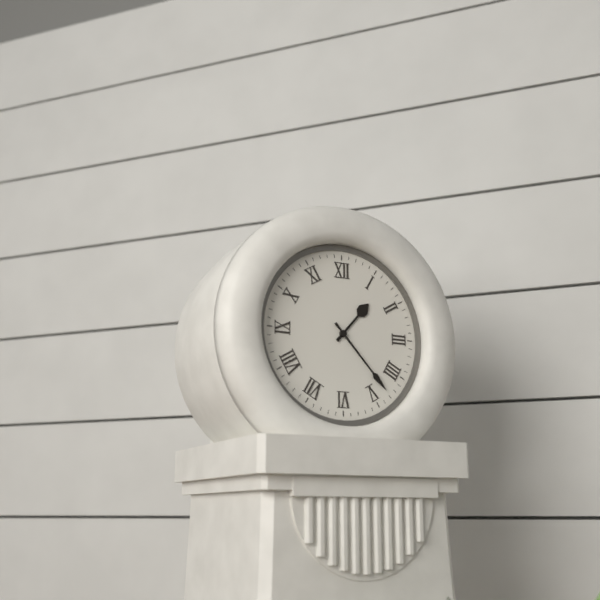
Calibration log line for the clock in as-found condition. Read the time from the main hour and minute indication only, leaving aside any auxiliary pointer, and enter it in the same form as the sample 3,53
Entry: 1,23
